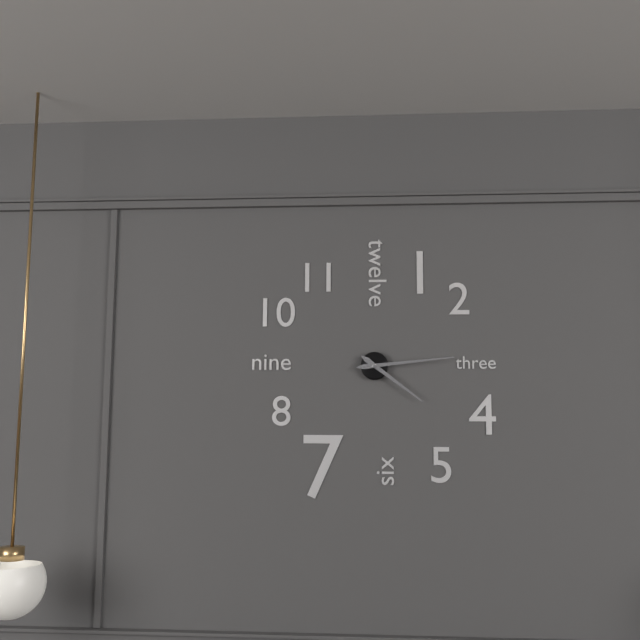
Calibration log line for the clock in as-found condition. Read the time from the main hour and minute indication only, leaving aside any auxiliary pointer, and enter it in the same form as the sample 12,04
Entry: 4,14
